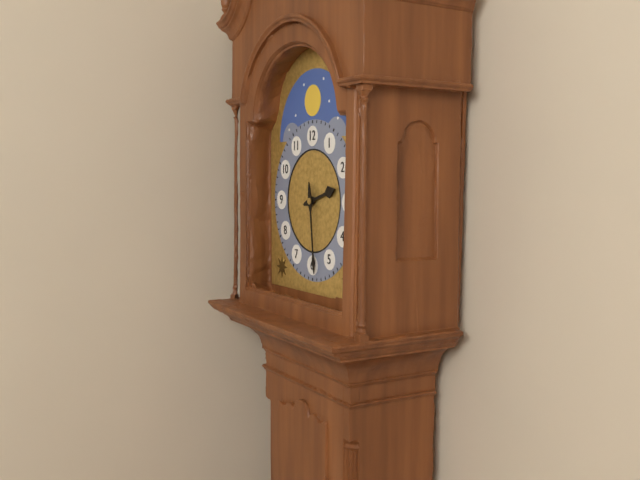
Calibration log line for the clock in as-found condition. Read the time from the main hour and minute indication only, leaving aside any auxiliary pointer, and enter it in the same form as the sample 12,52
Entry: 2,29
